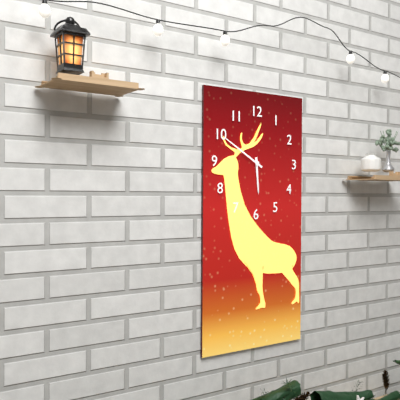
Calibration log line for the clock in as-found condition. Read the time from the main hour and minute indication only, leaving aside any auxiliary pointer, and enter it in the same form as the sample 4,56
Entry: 5,50
